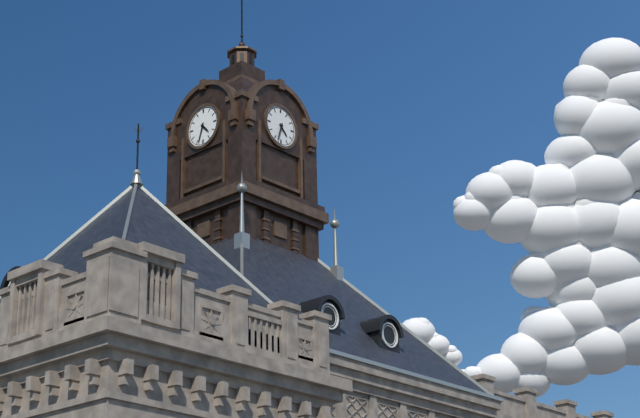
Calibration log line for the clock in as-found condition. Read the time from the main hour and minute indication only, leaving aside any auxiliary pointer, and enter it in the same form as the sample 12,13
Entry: 4,33
